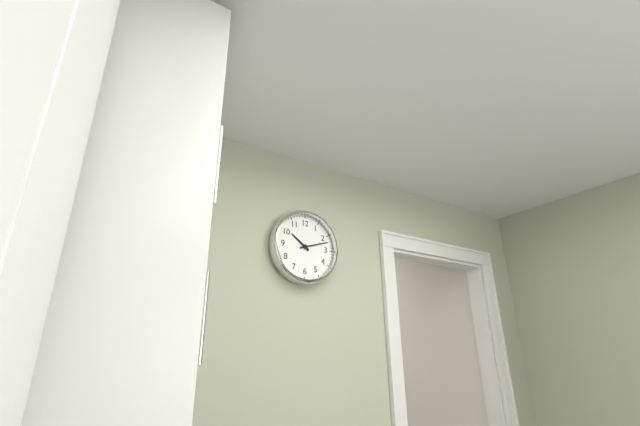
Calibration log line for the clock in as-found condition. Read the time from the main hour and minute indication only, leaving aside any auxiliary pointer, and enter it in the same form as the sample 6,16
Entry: 10,12
